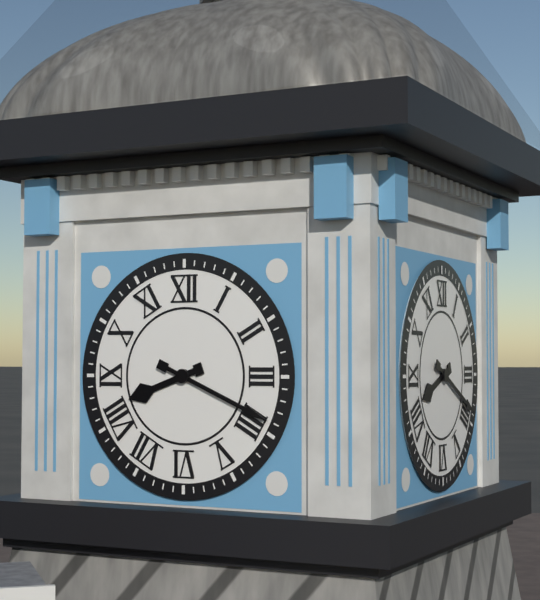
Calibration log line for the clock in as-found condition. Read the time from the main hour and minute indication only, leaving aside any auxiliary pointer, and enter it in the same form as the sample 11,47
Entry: 8,19
